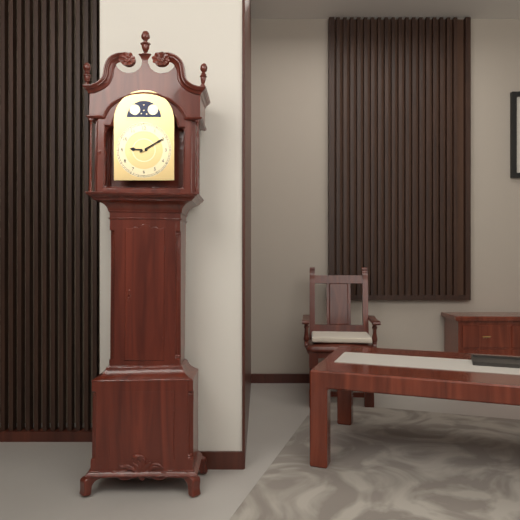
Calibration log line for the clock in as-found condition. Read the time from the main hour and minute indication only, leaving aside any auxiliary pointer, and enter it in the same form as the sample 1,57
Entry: 9,10
